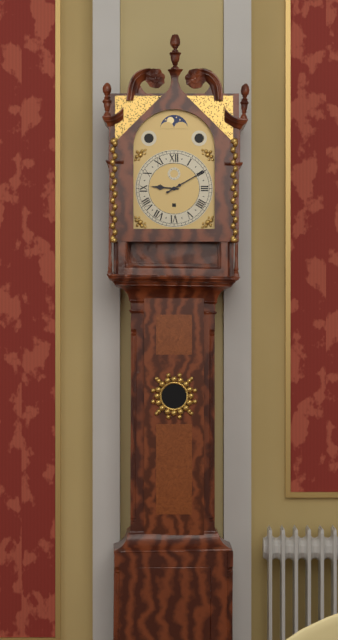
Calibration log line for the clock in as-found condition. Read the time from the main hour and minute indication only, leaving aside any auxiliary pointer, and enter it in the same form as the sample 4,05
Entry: 9,10
